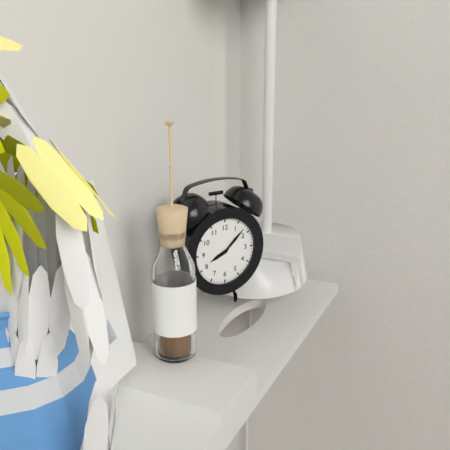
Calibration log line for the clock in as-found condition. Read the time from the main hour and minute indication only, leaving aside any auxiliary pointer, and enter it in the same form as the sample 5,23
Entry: 8,08
